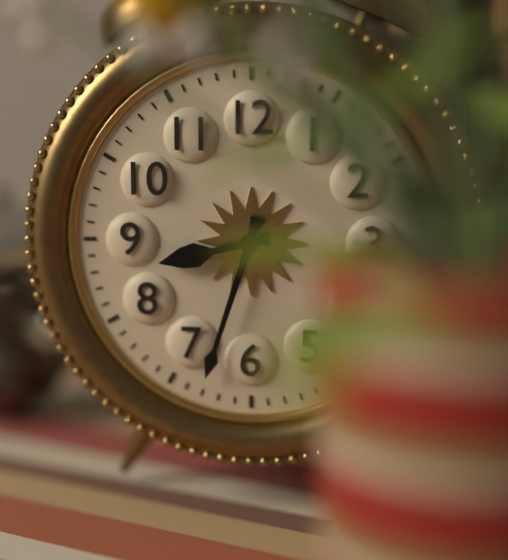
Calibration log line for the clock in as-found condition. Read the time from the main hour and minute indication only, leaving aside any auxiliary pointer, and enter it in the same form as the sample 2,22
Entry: 8,33
